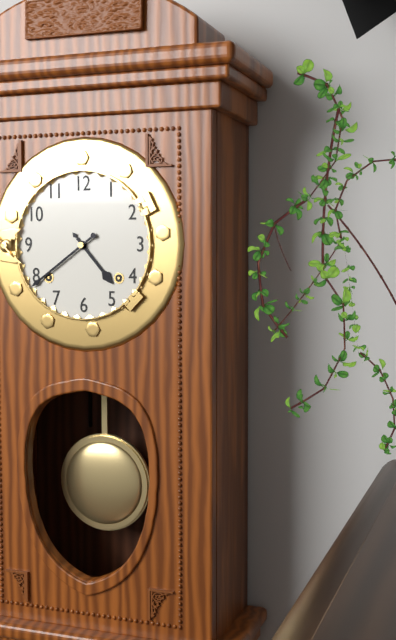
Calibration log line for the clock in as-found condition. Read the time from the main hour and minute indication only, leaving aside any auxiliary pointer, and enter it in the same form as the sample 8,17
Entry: 4,39
